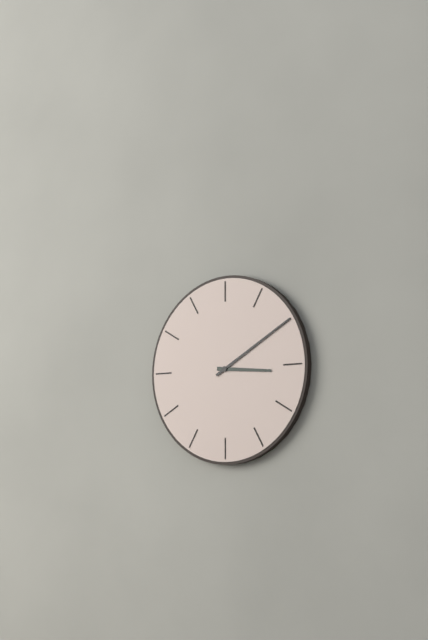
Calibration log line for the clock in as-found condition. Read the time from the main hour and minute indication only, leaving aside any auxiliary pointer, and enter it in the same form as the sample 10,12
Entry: 3,10
